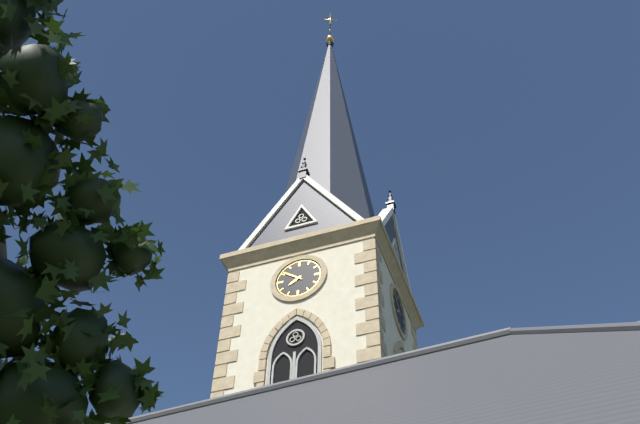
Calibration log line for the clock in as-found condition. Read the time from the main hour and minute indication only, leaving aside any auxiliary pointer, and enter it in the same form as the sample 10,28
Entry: 7,51
